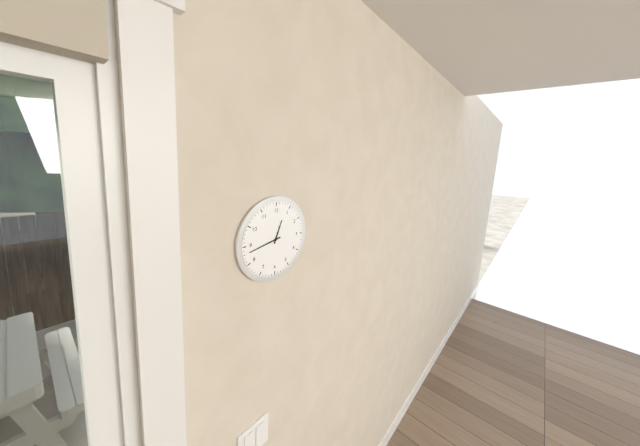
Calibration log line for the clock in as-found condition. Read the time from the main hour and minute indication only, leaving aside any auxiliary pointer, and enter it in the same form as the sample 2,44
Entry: 12,43
